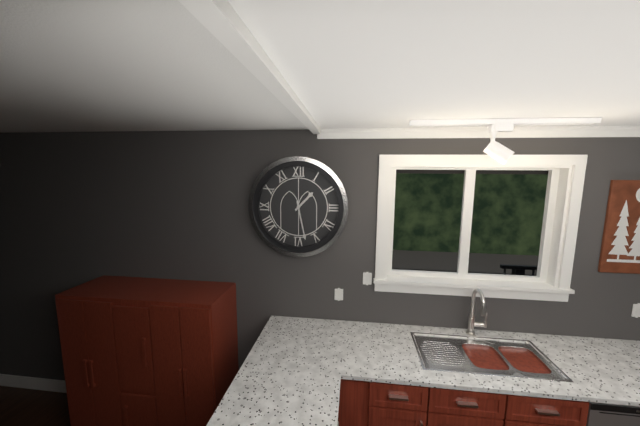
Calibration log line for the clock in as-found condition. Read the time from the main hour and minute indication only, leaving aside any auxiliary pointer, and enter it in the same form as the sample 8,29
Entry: 1,28
